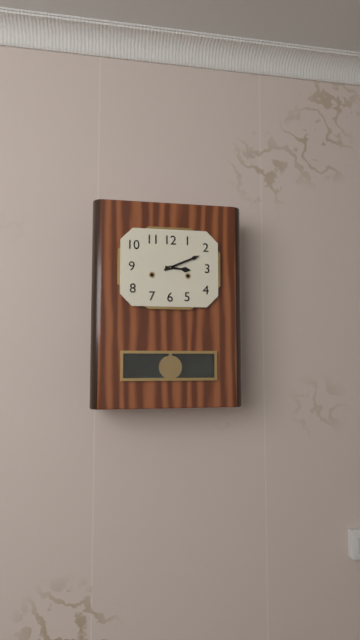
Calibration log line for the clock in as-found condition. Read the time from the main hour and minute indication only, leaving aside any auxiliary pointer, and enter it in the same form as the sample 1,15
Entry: 3,11
